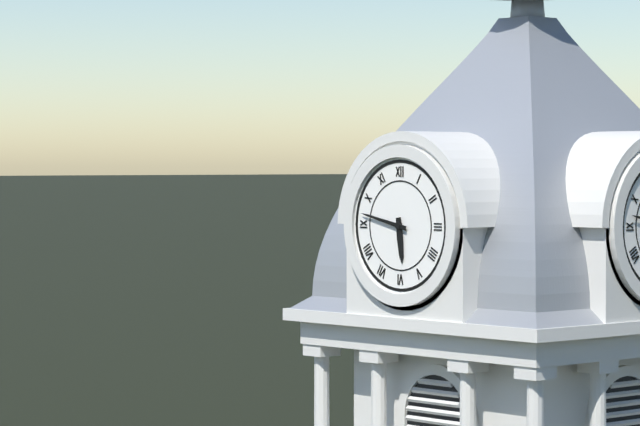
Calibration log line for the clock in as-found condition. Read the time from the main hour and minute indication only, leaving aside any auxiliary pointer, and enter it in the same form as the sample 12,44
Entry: 5,47
